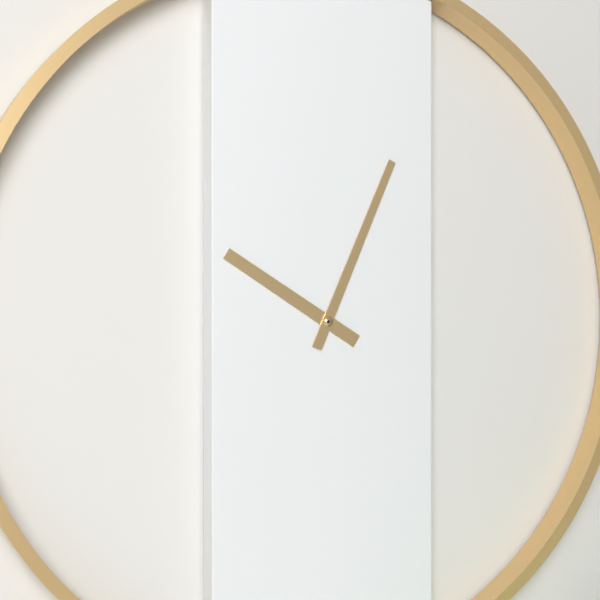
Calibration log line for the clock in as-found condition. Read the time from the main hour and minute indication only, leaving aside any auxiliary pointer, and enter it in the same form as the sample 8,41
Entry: 10,04
